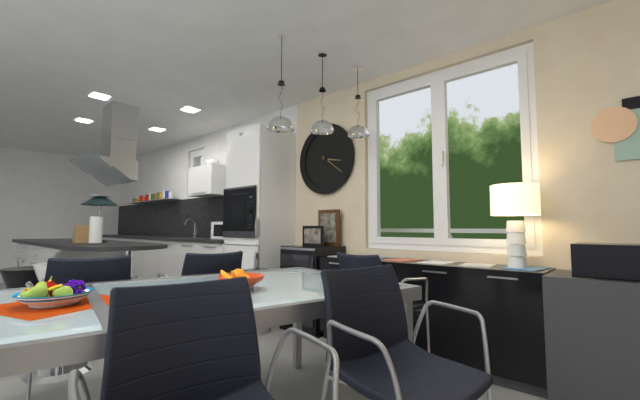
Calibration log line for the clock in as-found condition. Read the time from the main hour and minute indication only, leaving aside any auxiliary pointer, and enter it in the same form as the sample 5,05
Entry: 3,21
